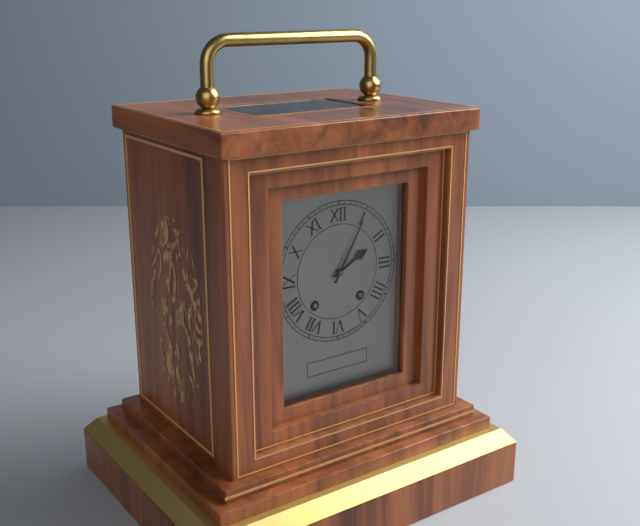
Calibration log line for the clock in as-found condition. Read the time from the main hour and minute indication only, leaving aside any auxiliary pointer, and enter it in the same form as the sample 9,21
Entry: 2,05
